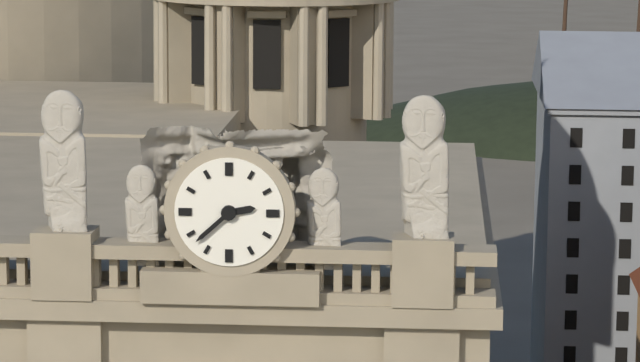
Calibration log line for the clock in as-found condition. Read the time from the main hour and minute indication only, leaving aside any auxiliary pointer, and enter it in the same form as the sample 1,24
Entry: 2,38
